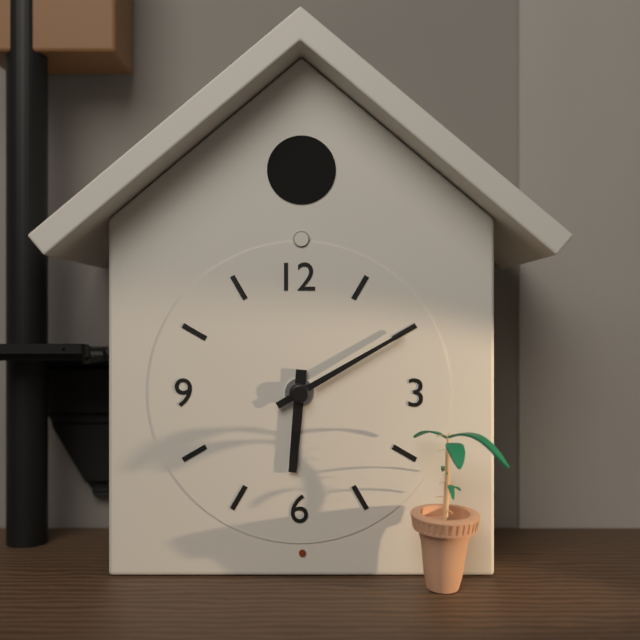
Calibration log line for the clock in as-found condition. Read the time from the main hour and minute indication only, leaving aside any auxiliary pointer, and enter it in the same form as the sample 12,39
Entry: 6,10
